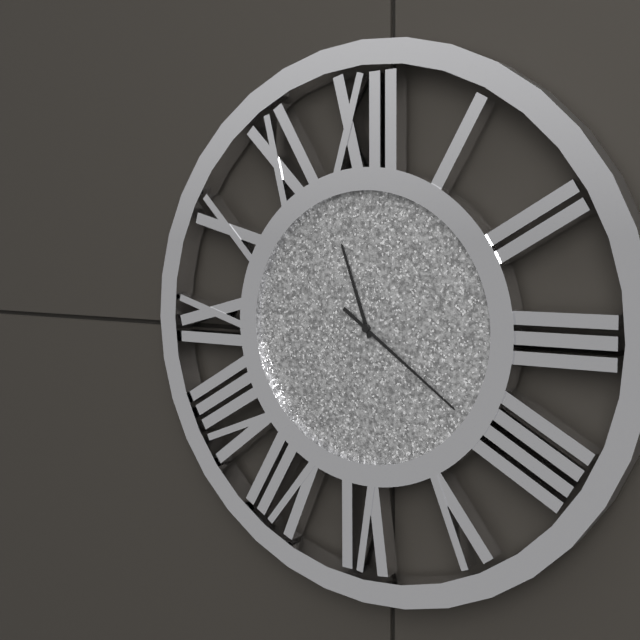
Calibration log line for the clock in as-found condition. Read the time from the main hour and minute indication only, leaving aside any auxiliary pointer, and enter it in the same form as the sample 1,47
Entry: 11,21
